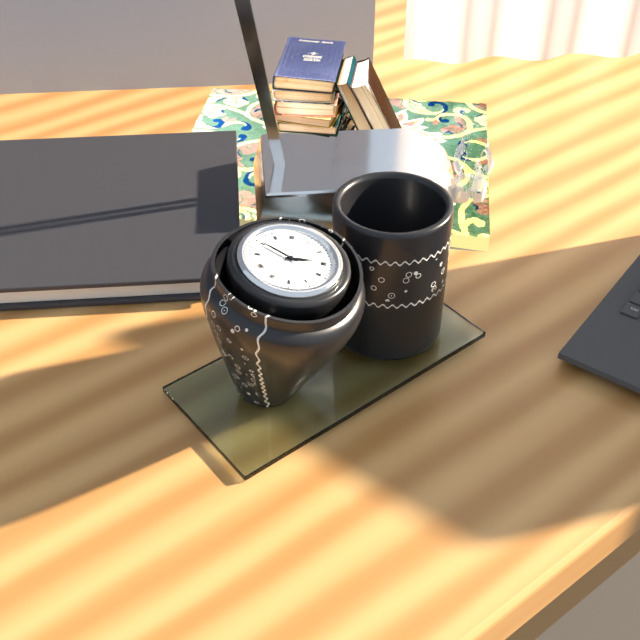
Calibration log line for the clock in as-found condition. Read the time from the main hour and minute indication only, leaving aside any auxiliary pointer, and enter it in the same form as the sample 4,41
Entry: 2,50
